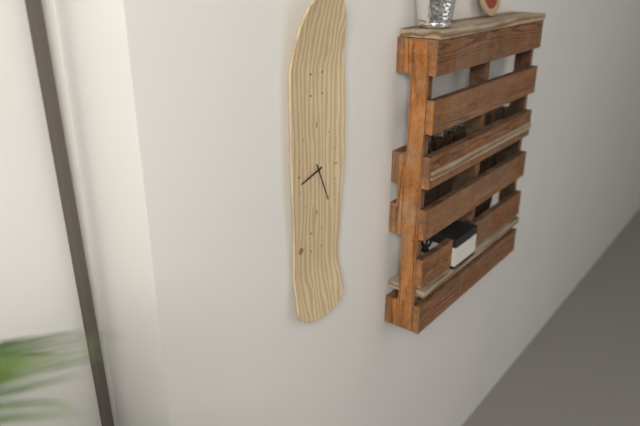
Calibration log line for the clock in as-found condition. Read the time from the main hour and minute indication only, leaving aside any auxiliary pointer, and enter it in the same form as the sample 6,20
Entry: 8,26
